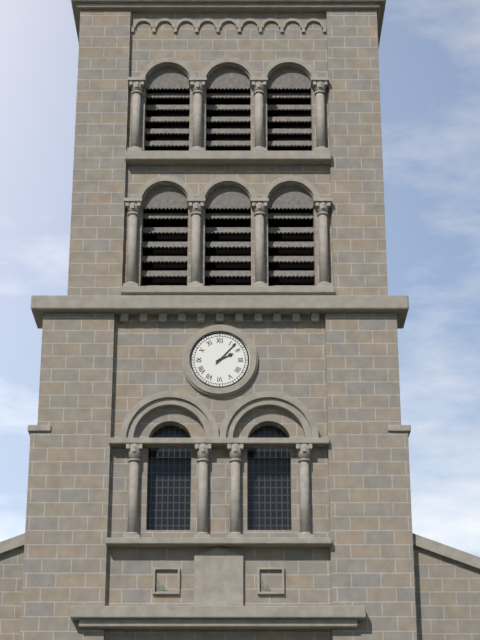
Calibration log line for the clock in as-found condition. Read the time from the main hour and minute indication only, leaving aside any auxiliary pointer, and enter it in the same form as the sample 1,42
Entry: 2,07
